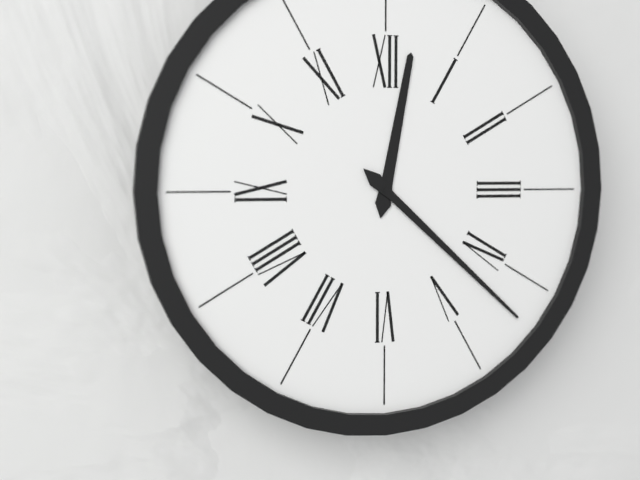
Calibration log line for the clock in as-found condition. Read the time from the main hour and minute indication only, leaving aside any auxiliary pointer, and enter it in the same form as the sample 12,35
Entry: 12,22
